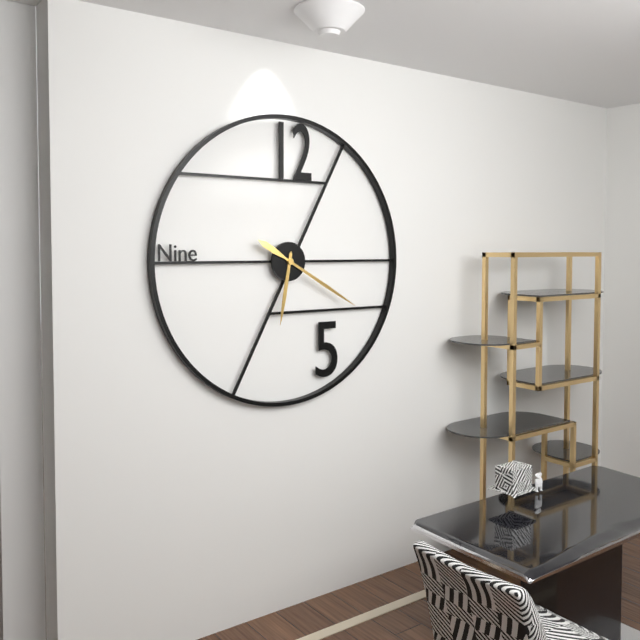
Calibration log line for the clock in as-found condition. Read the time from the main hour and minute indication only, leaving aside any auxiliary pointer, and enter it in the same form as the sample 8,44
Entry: 6,20
